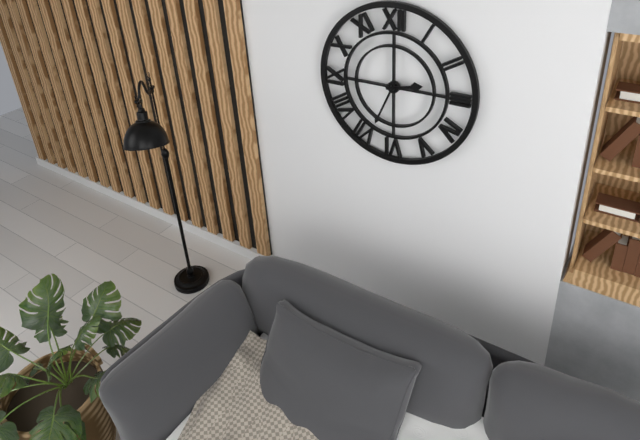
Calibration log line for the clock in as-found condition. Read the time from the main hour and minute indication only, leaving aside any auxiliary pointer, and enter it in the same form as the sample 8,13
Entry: 2,34
